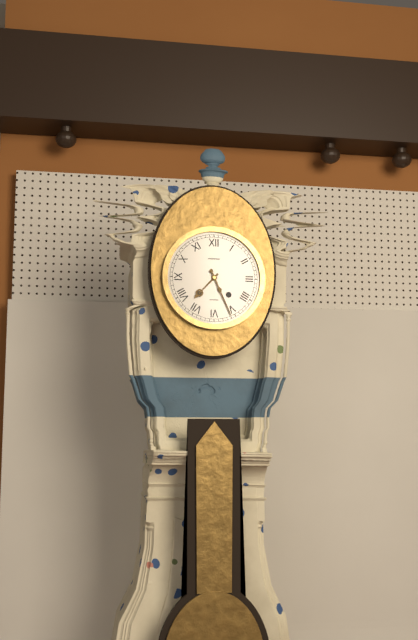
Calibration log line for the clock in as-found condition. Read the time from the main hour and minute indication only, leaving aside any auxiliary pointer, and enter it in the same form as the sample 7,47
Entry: 7,26
